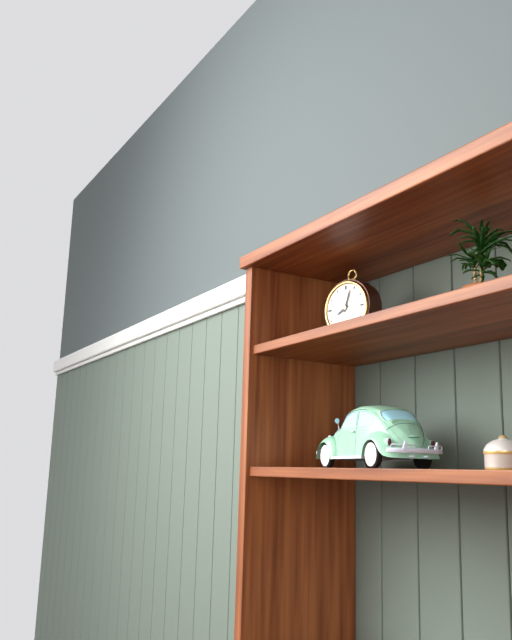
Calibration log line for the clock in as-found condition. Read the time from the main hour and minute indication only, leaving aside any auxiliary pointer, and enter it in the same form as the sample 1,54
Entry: 8,03
